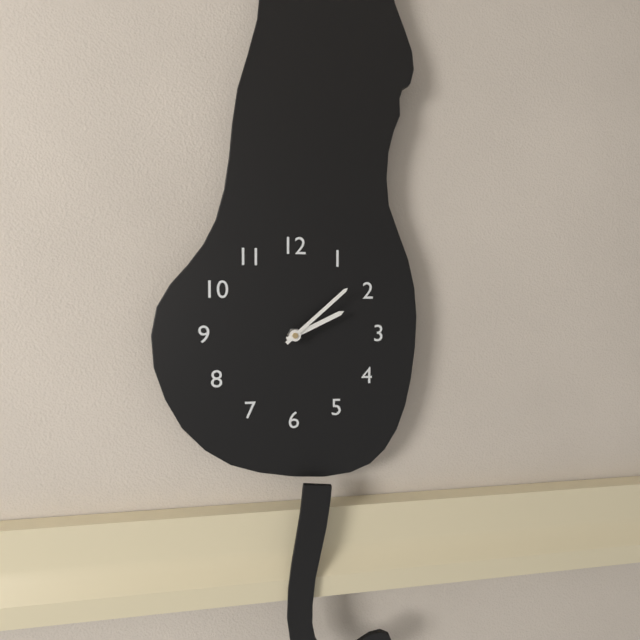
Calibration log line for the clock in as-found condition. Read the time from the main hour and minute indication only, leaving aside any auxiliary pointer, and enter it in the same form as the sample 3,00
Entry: 2,08
